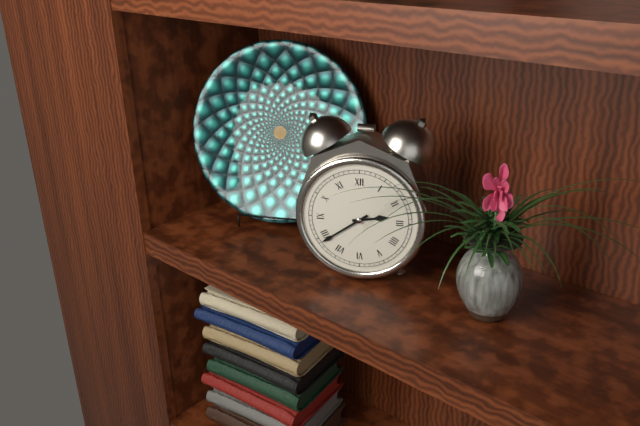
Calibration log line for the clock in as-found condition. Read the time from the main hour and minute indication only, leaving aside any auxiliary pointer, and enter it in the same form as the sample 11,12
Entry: 2,39
